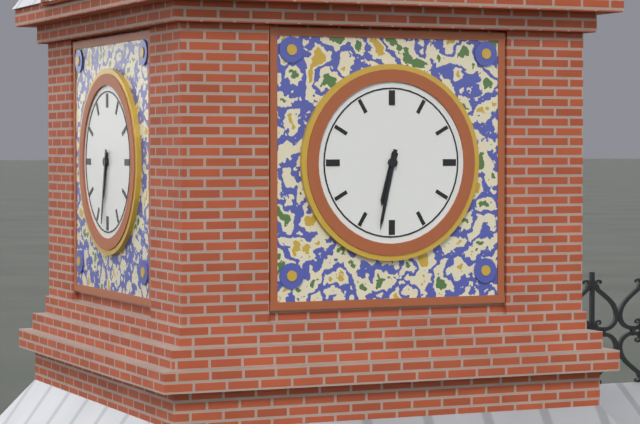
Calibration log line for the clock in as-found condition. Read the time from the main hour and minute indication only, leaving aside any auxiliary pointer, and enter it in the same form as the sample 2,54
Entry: 6,32
